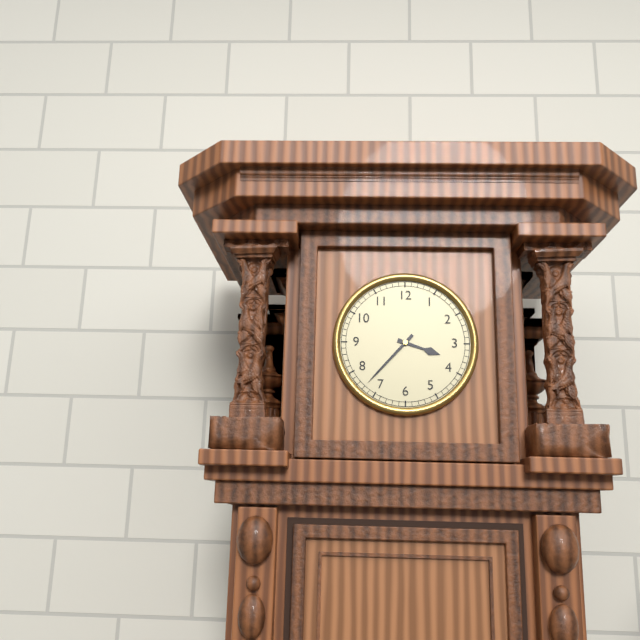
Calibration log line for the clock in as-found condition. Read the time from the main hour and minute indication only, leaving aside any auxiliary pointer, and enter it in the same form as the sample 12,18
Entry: 3,37
